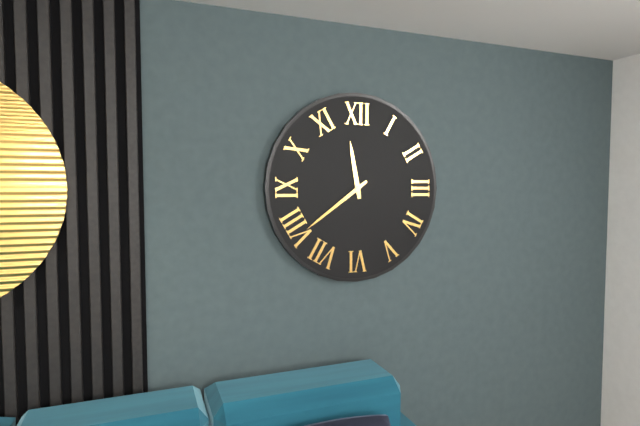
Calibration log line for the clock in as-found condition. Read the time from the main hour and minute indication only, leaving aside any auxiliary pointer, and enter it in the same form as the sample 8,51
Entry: 11,39
